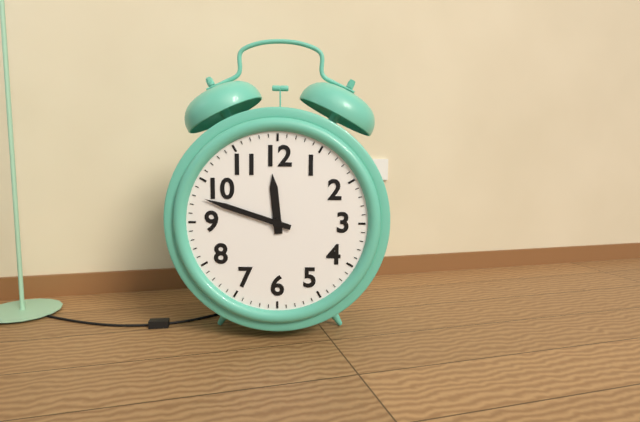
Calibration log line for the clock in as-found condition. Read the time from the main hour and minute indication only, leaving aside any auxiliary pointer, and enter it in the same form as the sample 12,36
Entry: 11,48
